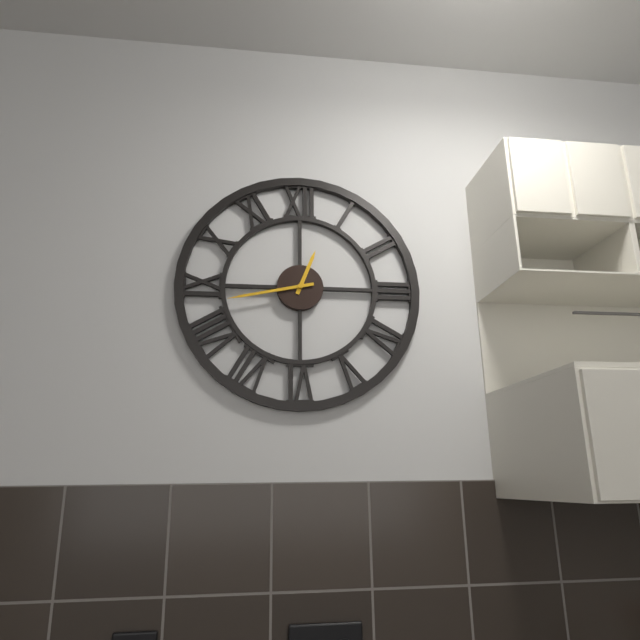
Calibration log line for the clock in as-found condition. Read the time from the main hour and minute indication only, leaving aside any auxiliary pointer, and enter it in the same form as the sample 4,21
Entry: 12,43
